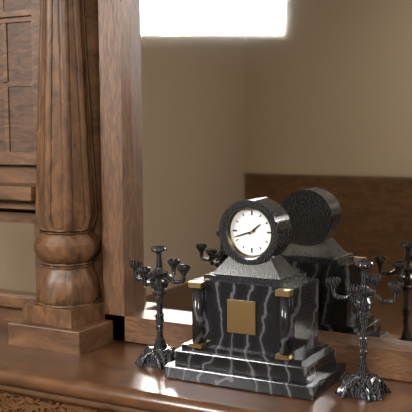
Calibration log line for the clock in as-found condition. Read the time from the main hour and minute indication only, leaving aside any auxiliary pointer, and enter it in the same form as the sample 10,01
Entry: 1,42
